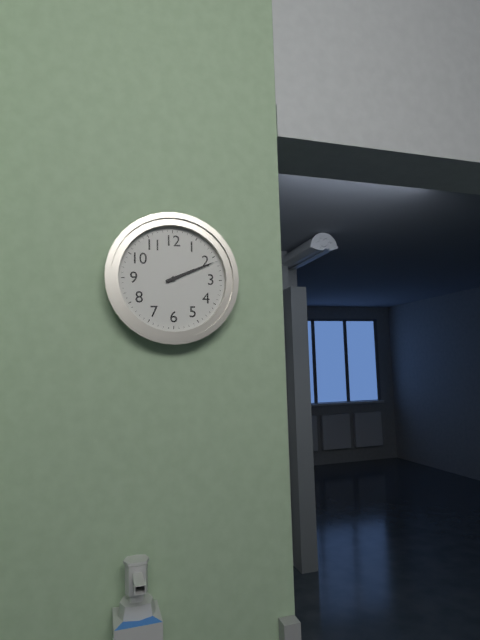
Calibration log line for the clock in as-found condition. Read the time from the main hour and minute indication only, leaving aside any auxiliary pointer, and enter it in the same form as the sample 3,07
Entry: 2,11
